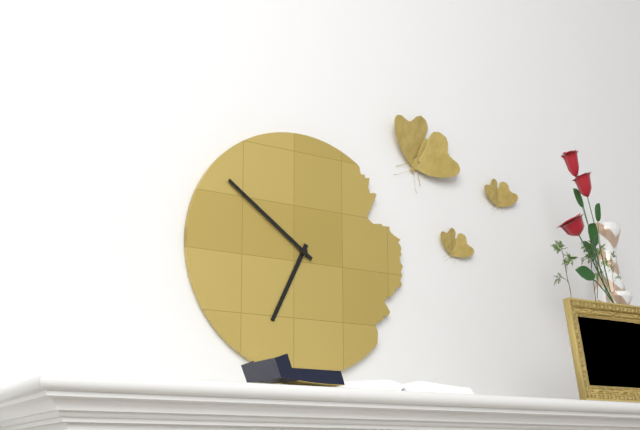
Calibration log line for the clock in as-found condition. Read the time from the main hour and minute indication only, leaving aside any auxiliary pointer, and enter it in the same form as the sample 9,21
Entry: 6,51
